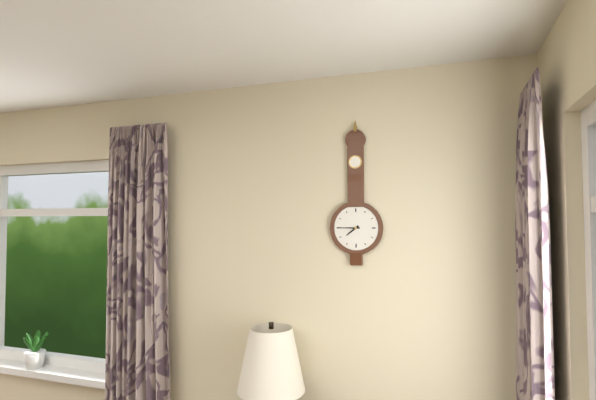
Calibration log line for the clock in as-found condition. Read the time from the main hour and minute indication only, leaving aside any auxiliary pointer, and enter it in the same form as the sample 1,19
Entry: 7,45
